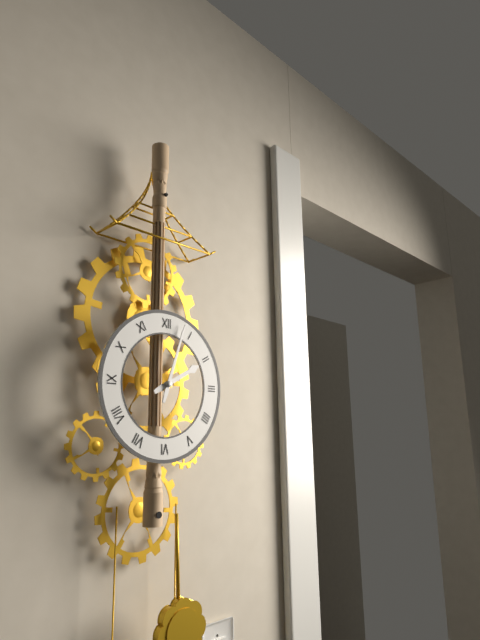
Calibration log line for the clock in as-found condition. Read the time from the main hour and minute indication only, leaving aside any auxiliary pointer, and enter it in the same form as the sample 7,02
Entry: 2,03
